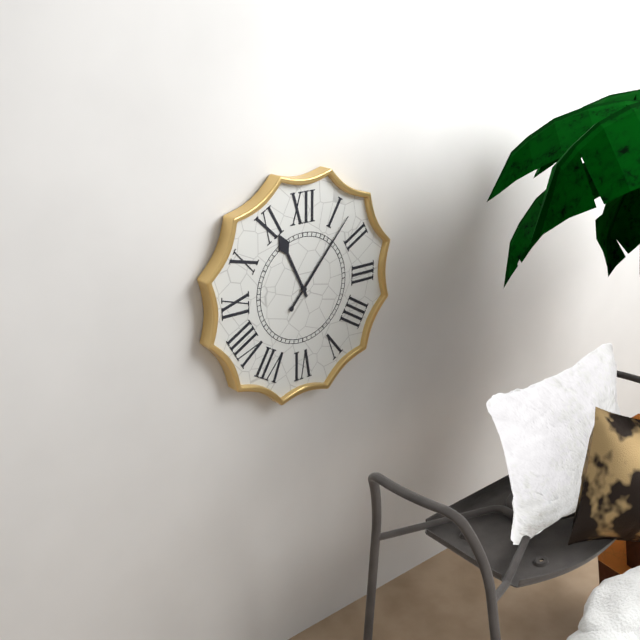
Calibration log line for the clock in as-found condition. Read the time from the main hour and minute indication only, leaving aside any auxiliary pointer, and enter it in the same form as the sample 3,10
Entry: 11,07
